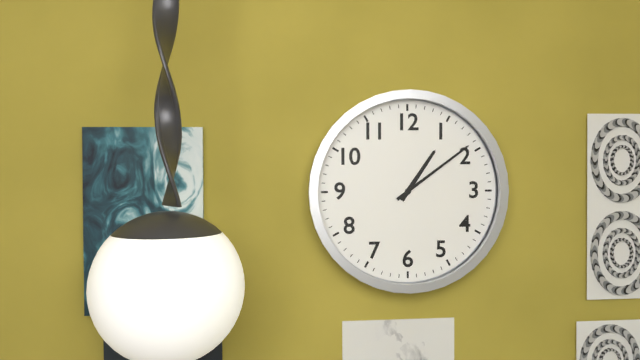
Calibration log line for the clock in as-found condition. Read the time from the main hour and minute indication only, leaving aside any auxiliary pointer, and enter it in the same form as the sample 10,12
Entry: 1,09
